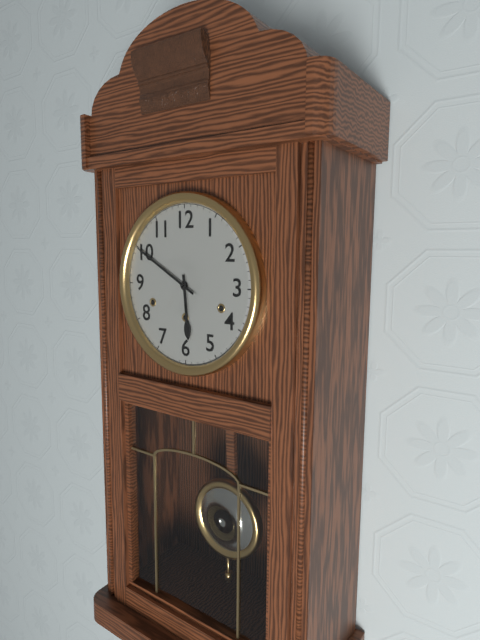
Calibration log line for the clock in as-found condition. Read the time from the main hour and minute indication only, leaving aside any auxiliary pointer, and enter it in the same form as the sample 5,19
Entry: 5,50
